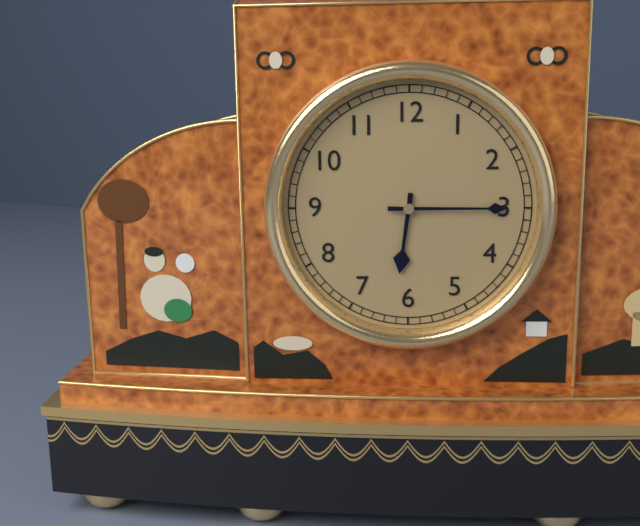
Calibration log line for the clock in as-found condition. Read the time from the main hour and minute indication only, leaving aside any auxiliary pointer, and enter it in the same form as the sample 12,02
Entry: 6,15
